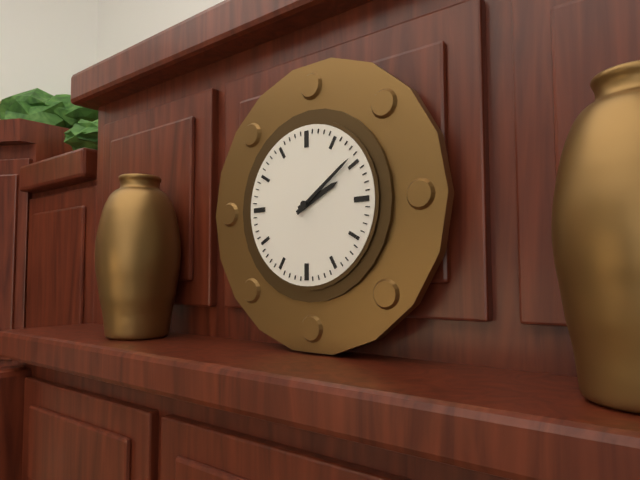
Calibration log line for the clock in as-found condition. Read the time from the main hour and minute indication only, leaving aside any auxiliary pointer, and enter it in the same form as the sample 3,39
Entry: 2,09
